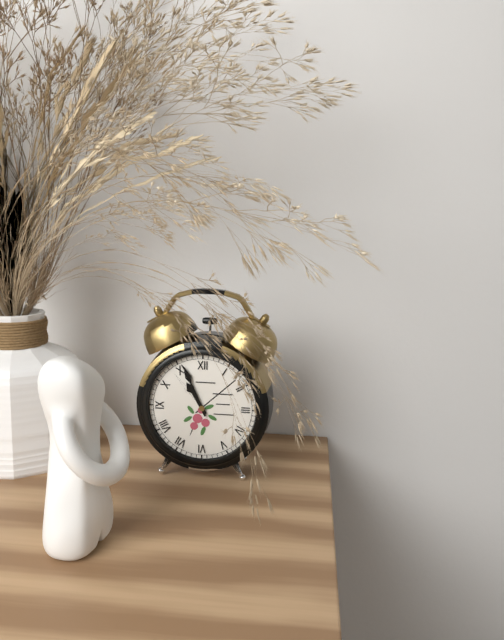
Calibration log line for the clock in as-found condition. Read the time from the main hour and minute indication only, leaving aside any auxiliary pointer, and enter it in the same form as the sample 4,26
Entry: 10,56
